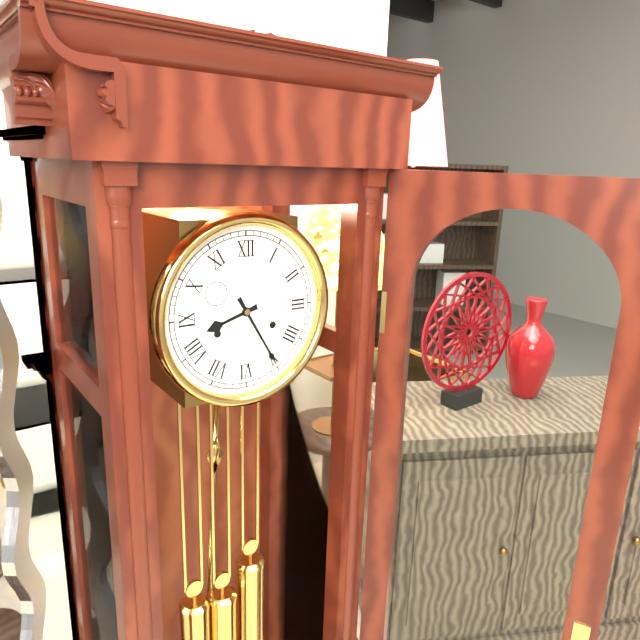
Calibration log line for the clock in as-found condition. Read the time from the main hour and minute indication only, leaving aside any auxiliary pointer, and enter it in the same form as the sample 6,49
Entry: 8,25
